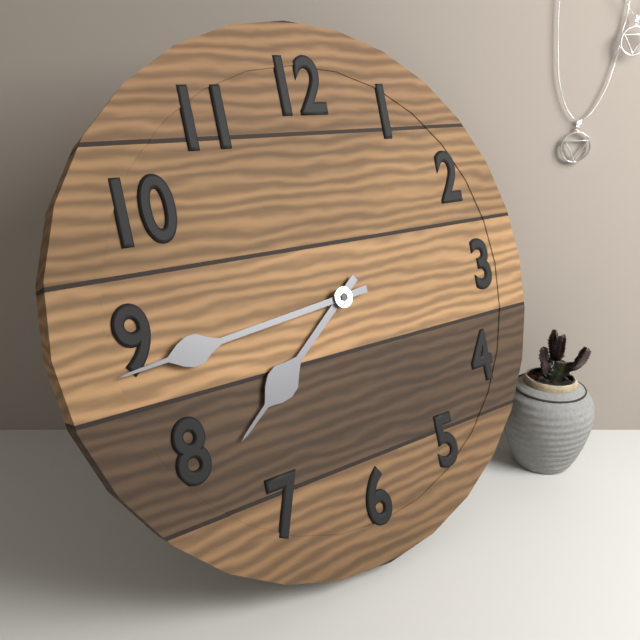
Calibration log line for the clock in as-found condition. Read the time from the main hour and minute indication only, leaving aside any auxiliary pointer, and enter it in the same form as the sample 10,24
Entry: 7,44
